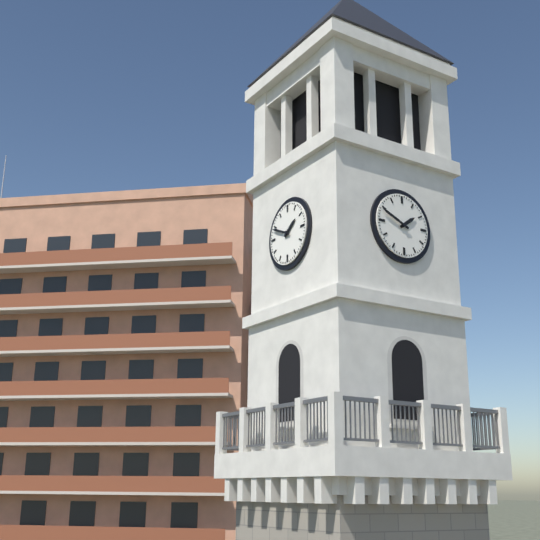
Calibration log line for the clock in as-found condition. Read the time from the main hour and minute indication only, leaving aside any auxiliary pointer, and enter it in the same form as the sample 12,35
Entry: 1,49
